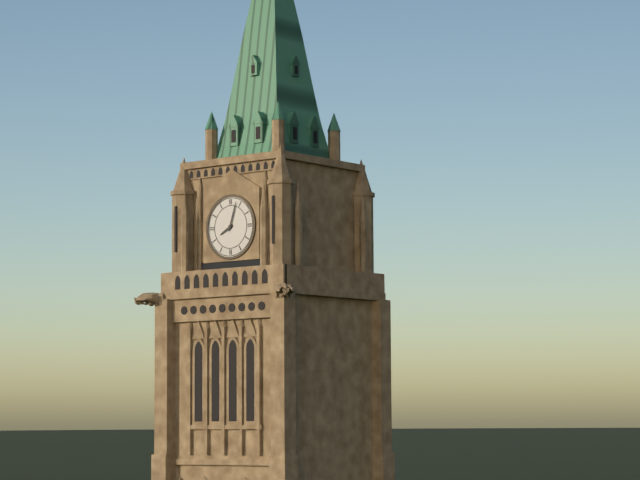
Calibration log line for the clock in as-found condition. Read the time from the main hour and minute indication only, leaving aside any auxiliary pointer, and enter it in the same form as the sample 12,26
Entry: 8,03
